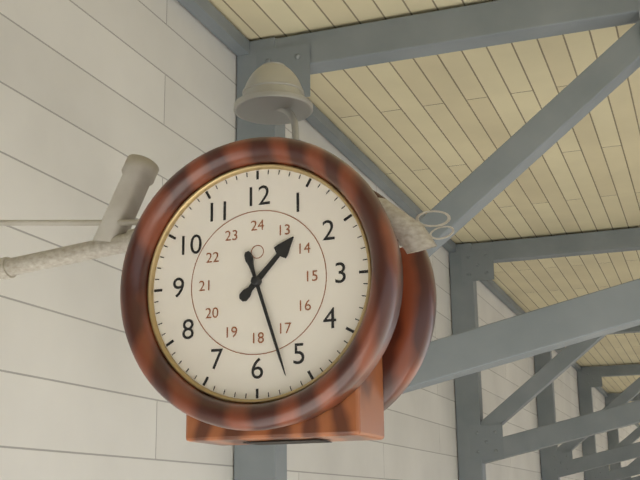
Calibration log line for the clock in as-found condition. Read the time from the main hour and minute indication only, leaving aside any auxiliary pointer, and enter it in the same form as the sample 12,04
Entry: 1,27
